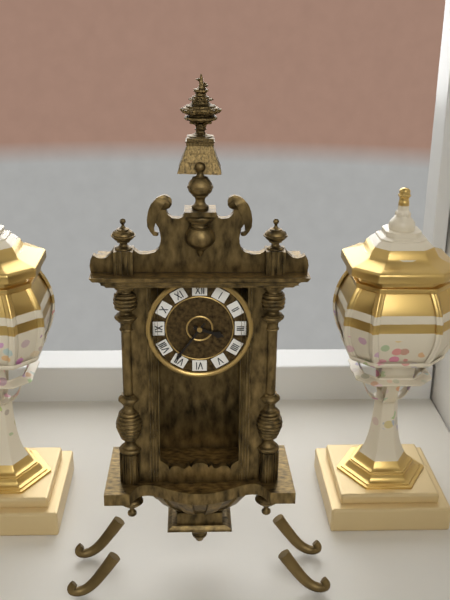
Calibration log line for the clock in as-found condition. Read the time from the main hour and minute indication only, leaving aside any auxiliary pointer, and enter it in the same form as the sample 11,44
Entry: 3,36
